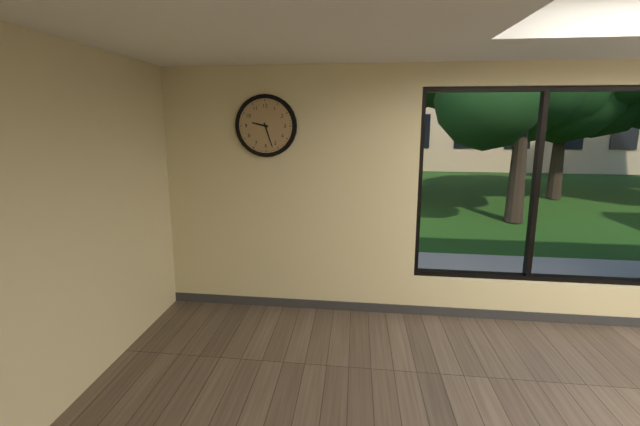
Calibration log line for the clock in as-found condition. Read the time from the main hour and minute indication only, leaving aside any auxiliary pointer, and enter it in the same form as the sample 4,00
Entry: 9,27
